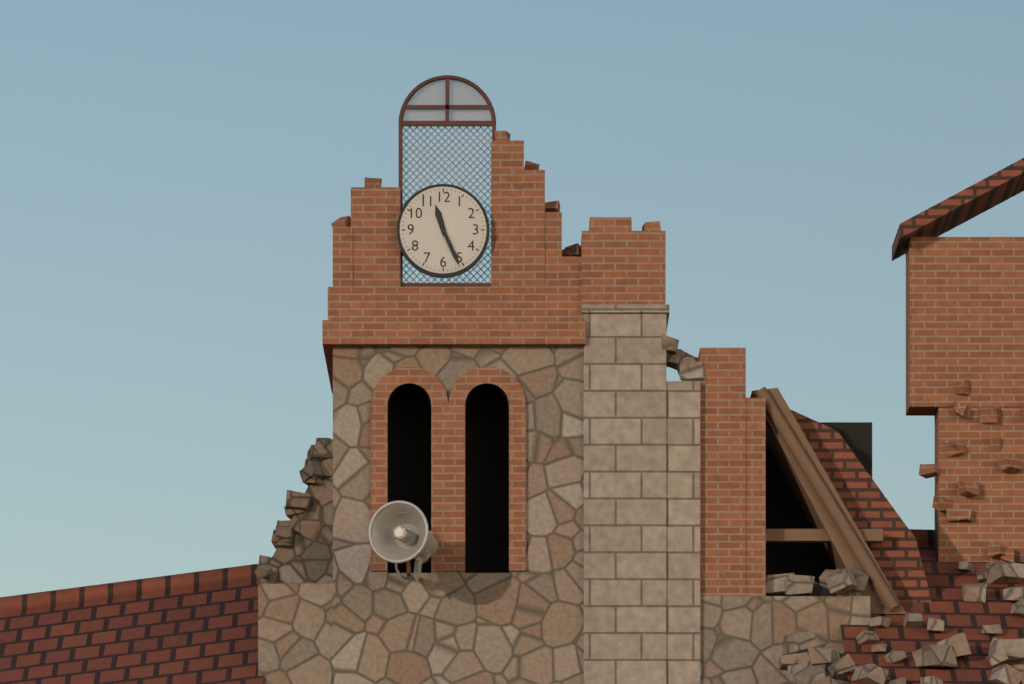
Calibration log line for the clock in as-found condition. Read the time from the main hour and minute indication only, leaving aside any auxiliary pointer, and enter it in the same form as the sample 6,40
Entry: 11,26
